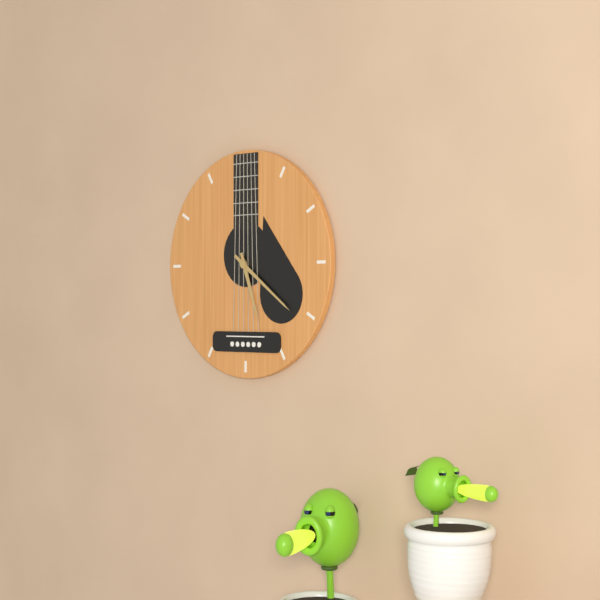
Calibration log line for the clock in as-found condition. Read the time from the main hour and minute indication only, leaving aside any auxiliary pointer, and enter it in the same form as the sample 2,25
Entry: 5,21
